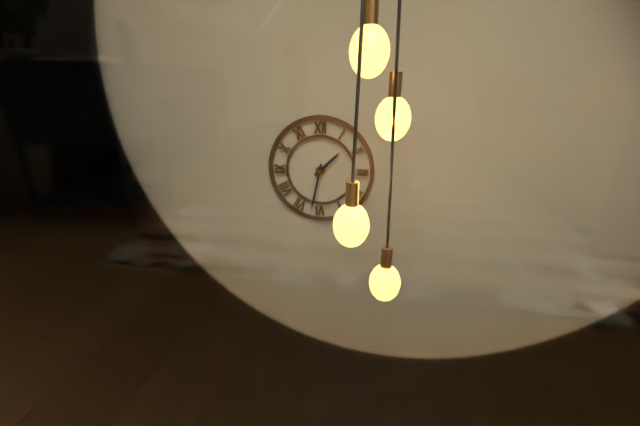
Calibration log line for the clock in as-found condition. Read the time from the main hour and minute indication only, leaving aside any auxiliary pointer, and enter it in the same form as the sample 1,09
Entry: 1,32
